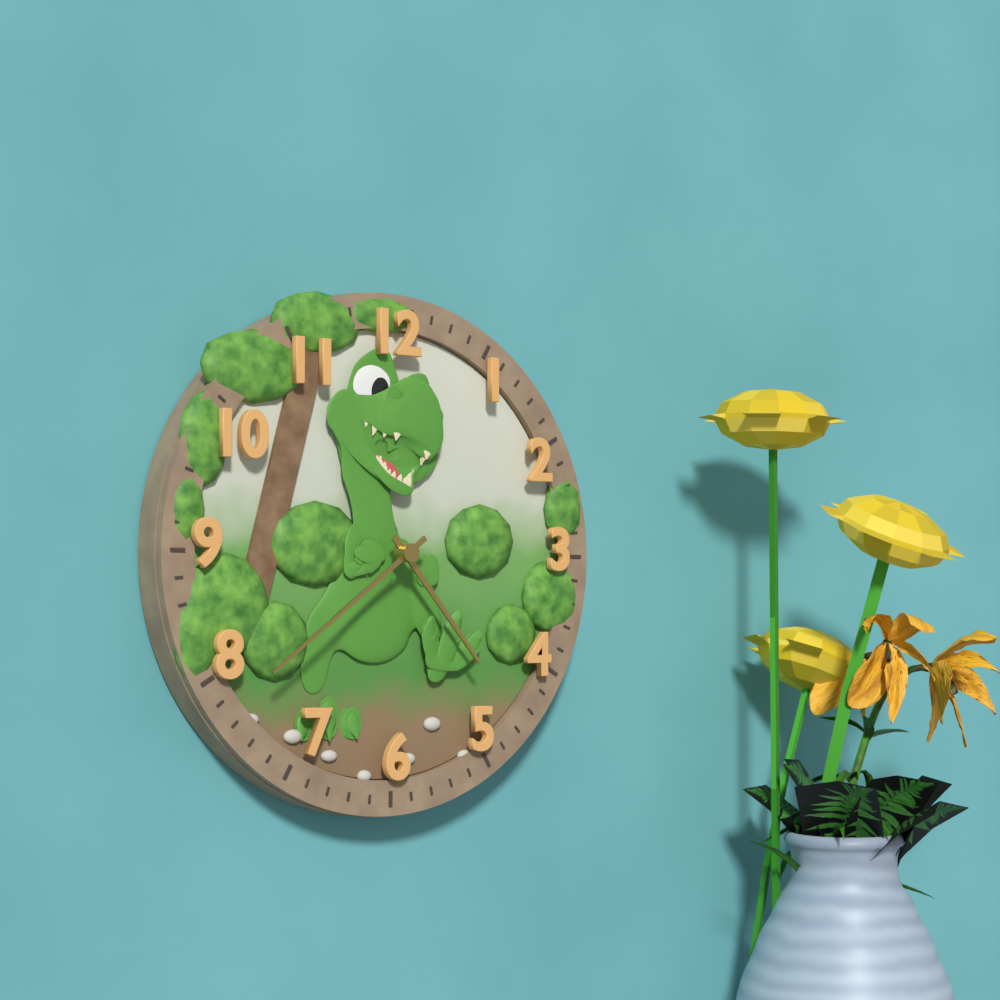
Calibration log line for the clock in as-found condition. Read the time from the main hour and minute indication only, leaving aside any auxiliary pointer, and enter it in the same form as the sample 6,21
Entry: 4,39
